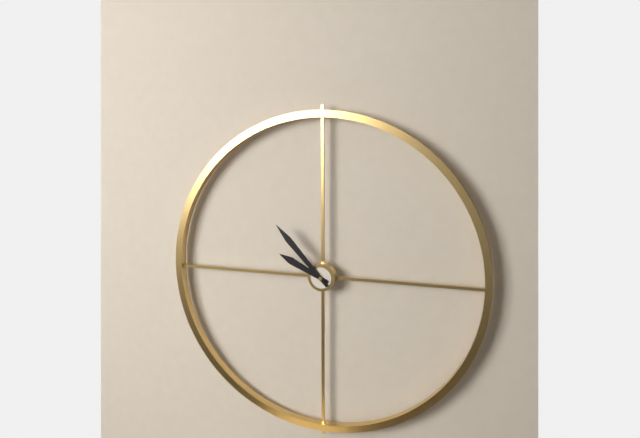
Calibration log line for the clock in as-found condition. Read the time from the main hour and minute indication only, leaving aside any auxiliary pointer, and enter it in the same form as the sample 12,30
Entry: 9,53
